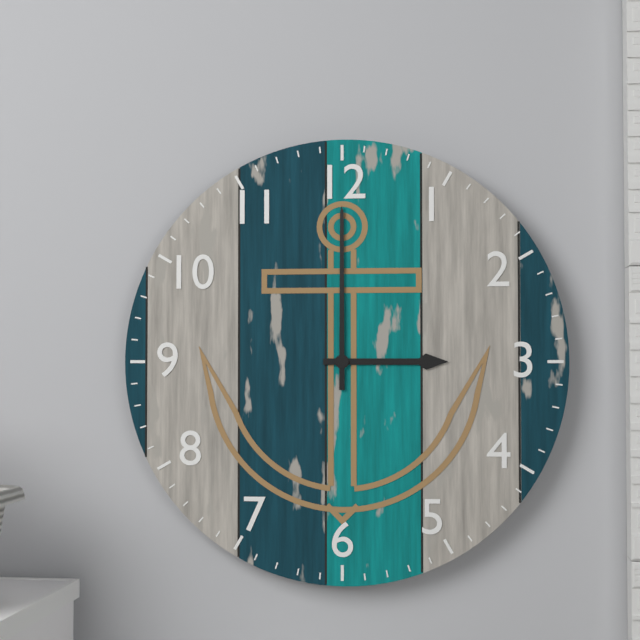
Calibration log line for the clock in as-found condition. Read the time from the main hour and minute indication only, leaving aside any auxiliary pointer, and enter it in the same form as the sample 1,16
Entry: 3,00
